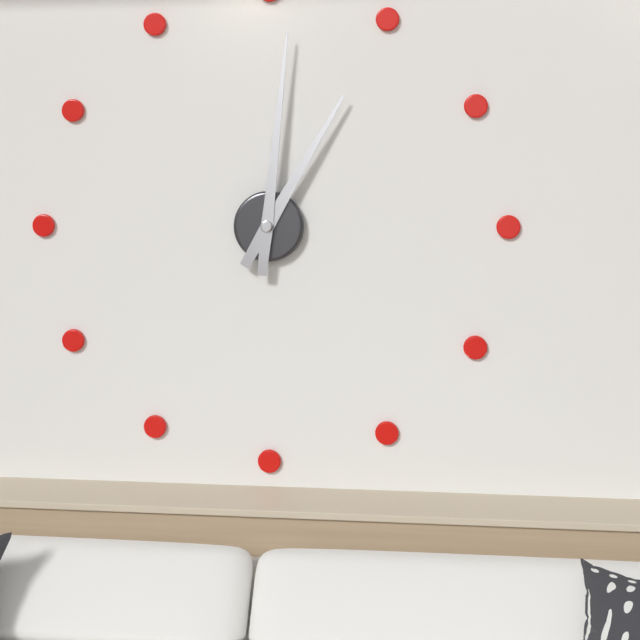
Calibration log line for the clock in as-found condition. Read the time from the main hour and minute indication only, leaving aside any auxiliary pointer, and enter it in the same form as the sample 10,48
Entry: 1,01
